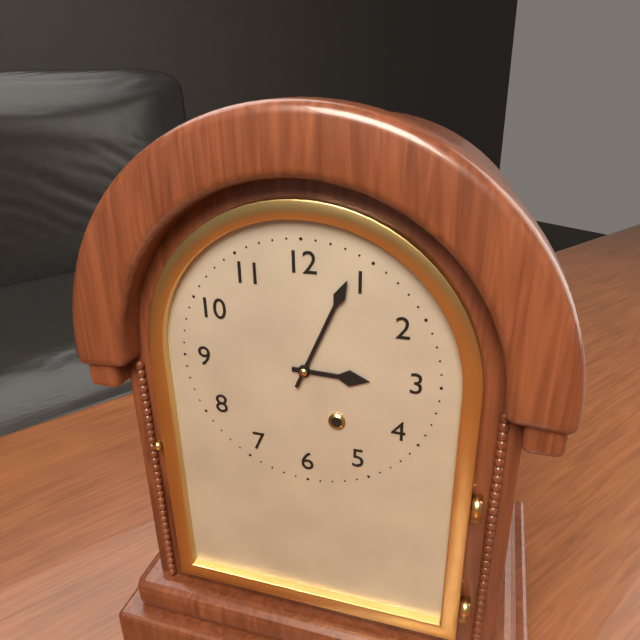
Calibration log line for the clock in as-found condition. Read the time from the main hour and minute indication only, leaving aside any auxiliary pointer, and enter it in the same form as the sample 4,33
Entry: 3,04
